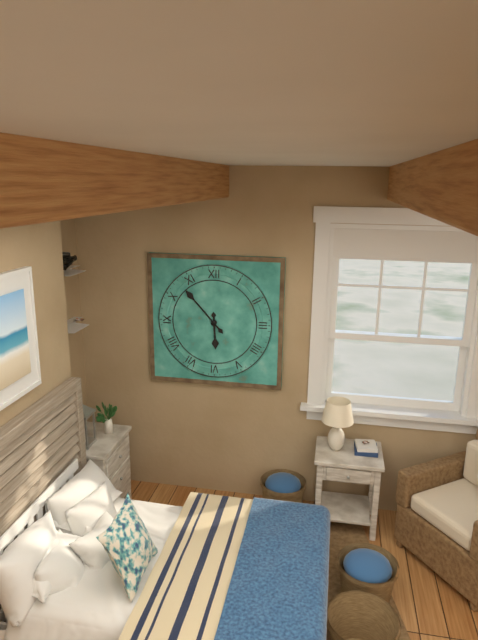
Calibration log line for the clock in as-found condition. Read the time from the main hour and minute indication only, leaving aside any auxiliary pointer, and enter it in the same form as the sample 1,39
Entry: 5,53
